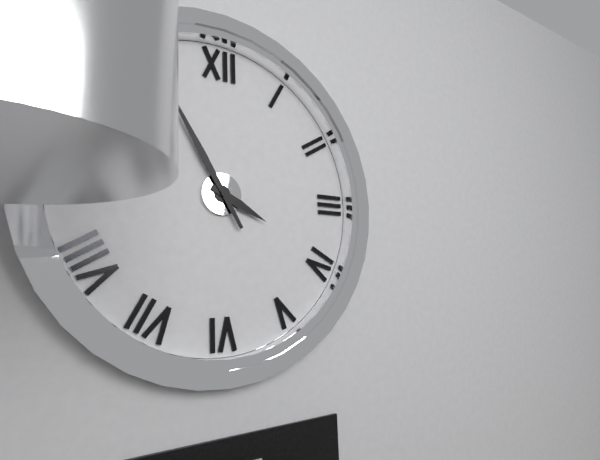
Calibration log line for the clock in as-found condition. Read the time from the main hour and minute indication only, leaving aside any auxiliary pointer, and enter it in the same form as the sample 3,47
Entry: 3,55
